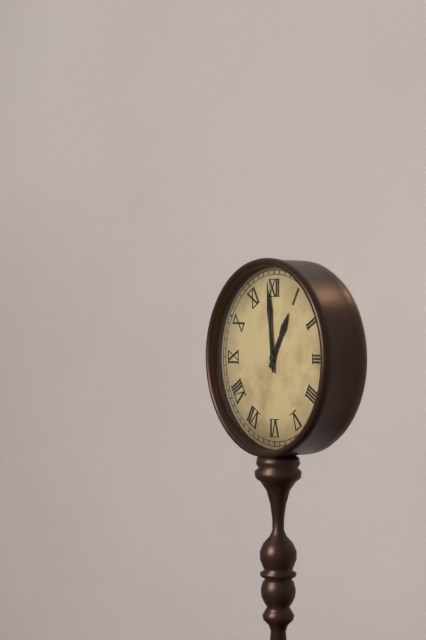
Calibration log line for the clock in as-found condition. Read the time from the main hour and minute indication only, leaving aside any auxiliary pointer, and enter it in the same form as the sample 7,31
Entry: 12,59
